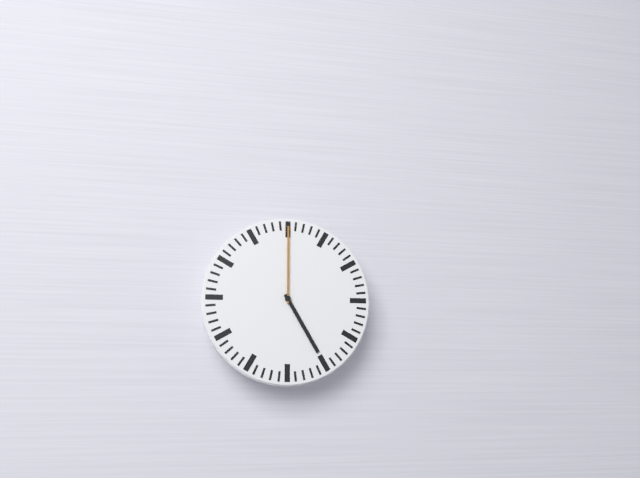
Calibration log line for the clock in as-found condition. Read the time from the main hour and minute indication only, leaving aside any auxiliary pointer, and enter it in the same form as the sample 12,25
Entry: 5,00
